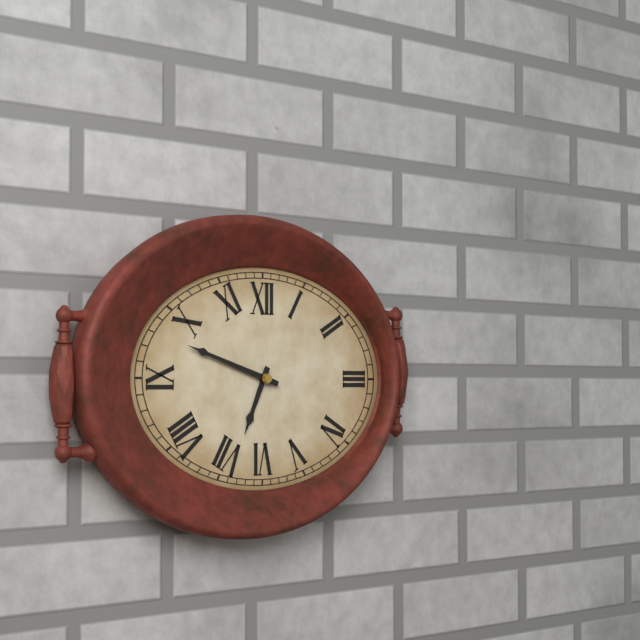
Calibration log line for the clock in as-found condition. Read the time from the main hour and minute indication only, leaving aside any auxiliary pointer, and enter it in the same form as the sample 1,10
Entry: 6,48
